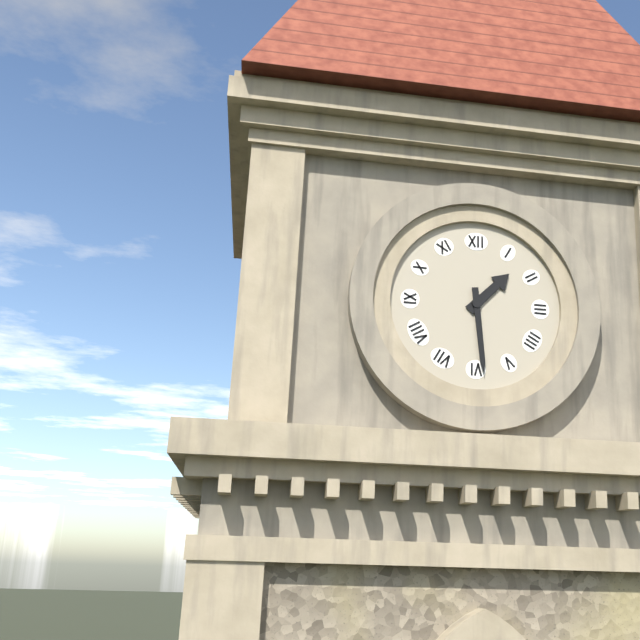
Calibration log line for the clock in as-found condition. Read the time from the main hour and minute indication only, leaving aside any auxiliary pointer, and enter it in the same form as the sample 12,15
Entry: 1,29
